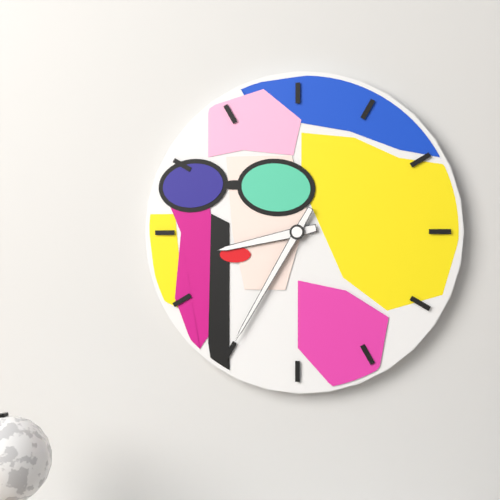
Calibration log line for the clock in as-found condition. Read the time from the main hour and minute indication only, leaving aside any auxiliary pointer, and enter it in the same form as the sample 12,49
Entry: 8,35
